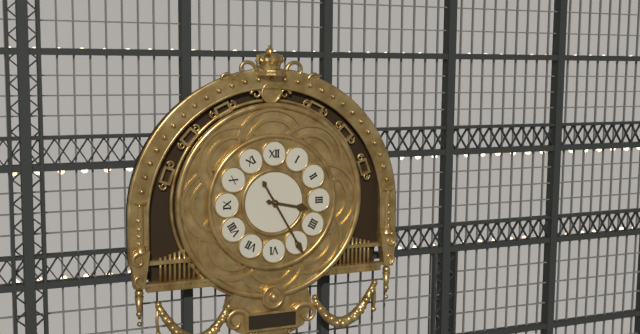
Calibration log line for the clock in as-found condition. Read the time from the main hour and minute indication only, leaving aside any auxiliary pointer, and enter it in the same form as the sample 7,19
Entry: 3,25
